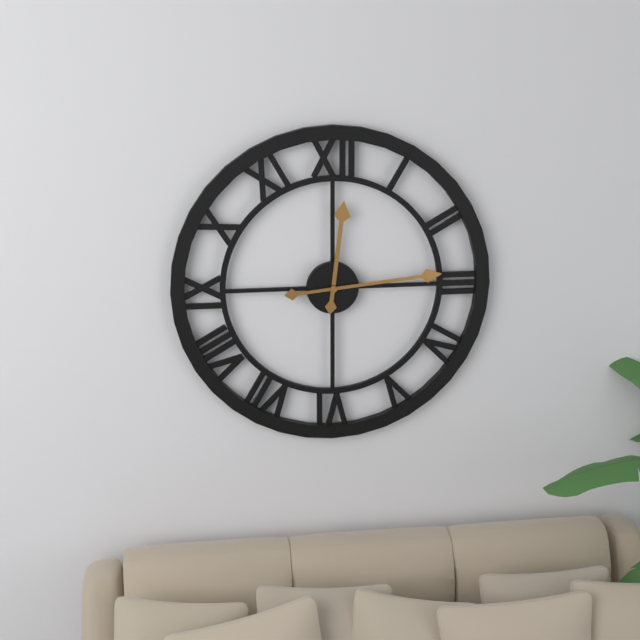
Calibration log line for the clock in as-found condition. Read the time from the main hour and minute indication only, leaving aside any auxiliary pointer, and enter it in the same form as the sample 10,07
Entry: 12,14
